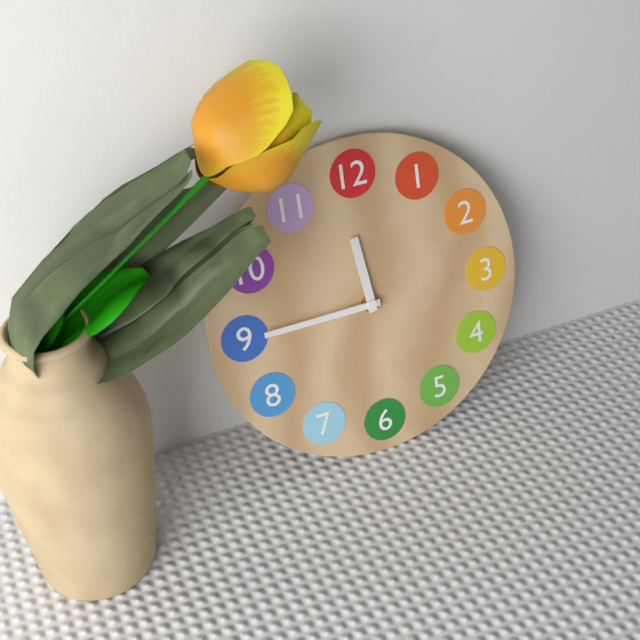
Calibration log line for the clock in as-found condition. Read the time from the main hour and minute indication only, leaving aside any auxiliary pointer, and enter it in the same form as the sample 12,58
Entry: 11,45
